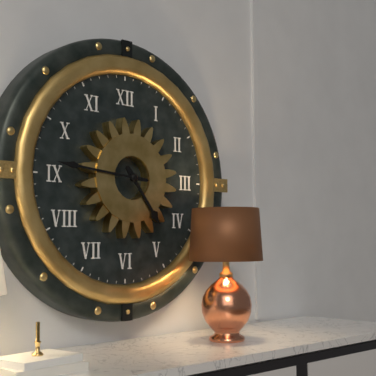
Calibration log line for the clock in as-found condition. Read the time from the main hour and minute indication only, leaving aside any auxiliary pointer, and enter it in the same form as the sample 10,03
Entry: 4,46
